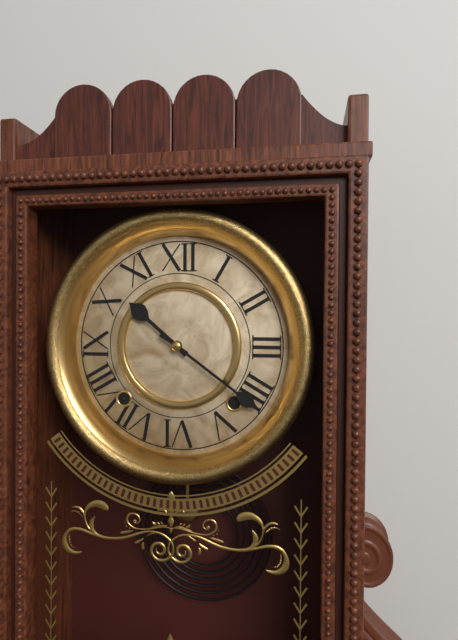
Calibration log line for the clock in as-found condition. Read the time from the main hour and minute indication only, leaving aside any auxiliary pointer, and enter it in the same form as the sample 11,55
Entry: 10,21
